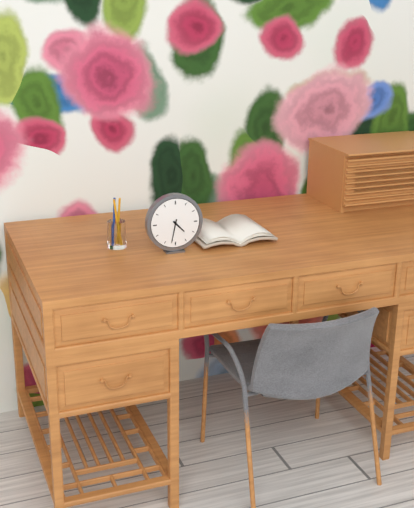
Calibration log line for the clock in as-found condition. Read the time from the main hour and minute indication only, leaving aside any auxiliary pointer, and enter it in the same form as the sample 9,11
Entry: 4,32
